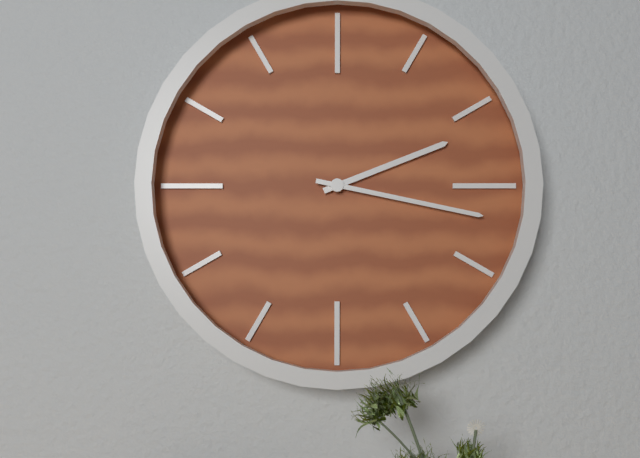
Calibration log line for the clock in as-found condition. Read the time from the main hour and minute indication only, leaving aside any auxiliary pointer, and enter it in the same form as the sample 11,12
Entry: 2,17
